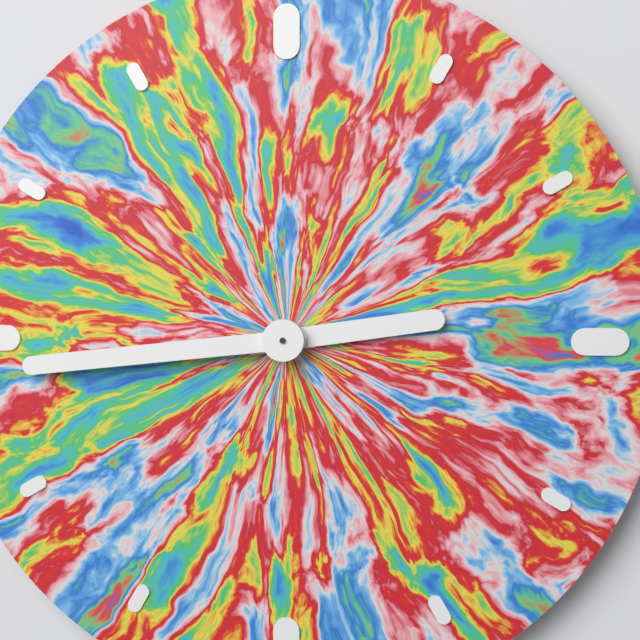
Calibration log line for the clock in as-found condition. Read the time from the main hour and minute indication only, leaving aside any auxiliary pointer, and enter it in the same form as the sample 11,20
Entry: 2,44
